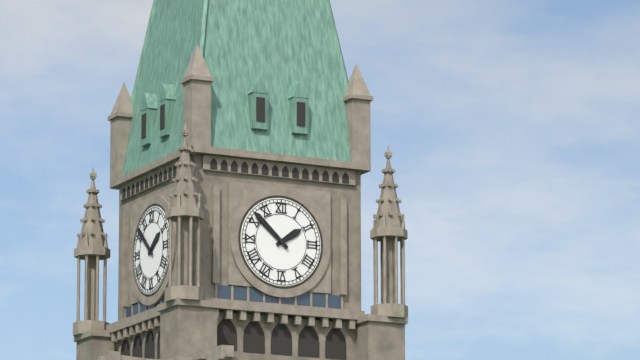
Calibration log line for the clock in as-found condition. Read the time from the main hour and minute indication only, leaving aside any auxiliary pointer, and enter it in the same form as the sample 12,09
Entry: 1,52
